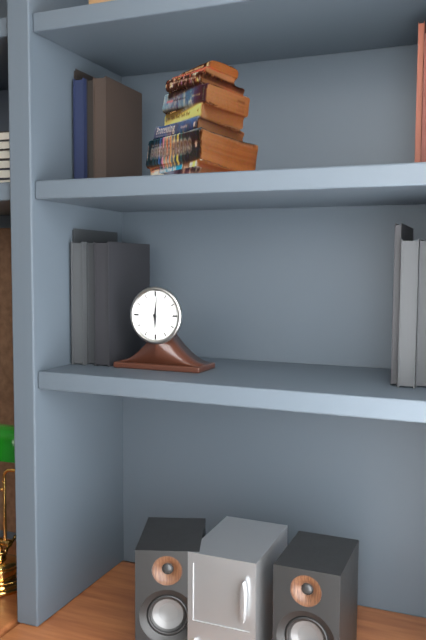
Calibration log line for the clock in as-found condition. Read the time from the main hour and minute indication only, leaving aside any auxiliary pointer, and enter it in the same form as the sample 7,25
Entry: 6,01
